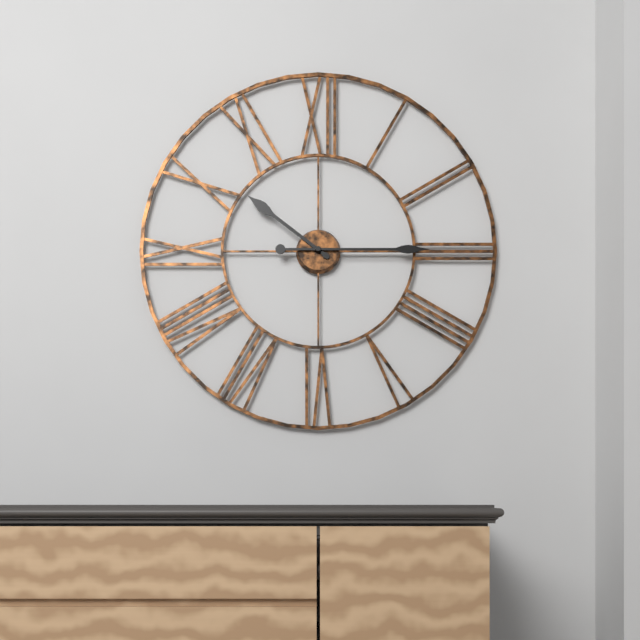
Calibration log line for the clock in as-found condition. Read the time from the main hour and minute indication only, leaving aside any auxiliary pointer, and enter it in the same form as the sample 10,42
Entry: 10,15
